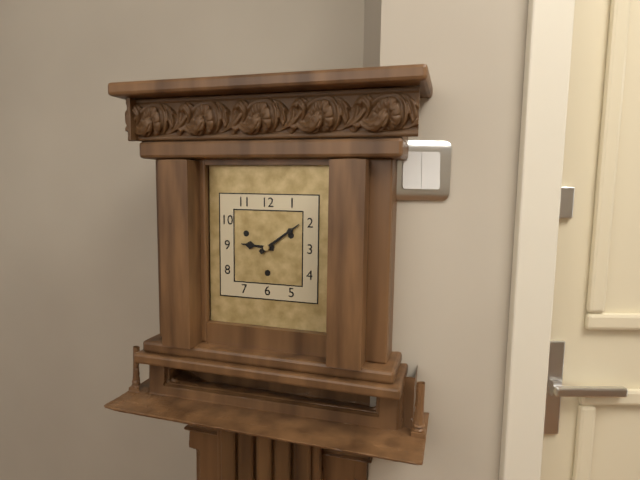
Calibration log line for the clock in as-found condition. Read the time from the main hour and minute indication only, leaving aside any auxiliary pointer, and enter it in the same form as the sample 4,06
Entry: 9,09
